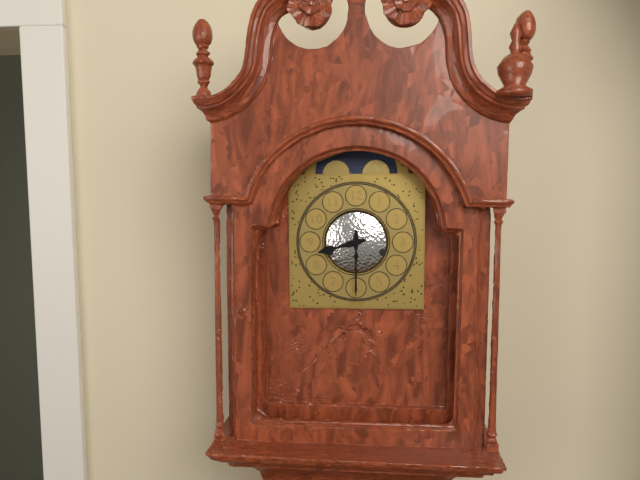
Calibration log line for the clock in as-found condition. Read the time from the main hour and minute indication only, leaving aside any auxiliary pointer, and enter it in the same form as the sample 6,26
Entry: 8,30
